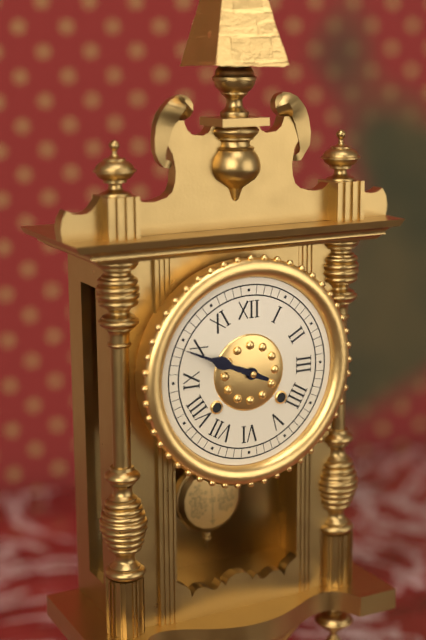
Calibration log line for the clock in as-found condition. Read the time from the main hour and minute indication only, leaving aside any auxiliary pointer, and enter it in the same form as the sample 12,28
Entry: 9,49
